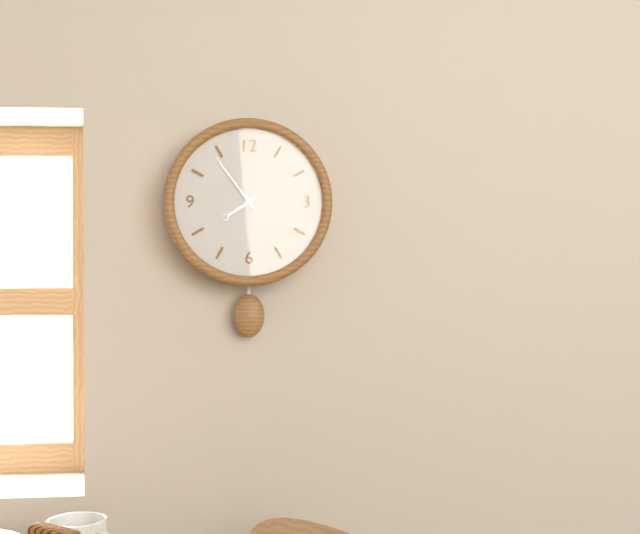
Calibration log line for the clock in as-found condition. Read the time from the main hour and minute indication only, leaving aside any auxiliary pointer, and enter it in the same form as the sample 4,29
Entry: 7,54
